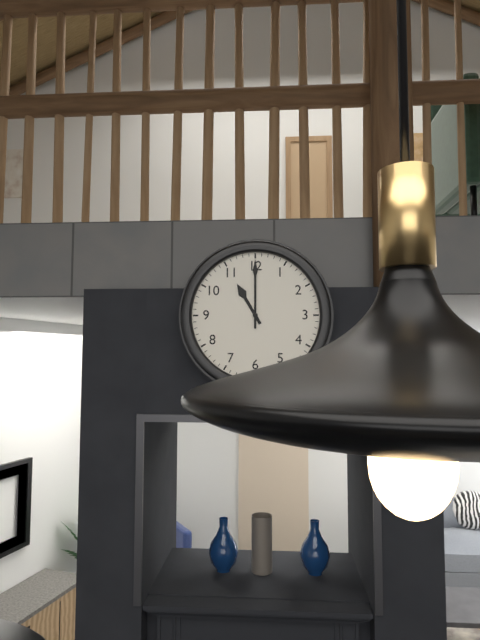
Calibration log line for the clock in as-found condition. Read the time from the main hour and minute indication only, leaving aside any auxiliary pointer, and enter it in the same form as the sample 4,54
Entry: 11,00
